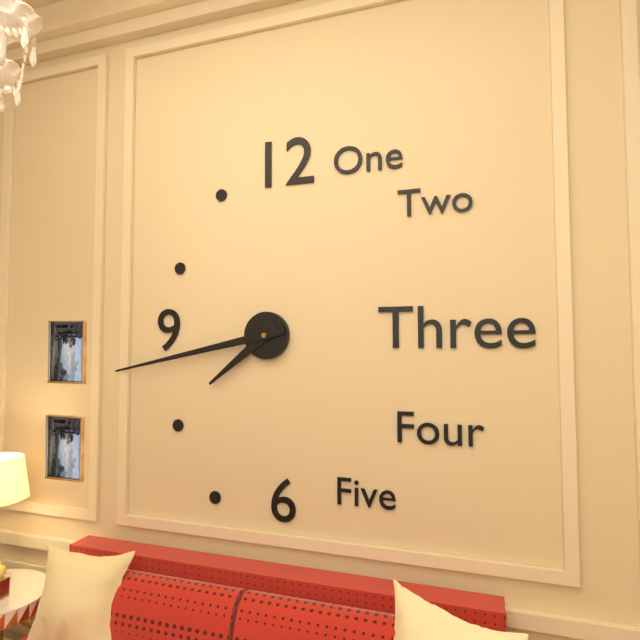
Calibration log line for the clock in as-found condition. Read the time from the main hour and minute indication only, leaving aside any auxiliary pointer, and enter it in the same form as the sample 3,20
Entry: 7,43
